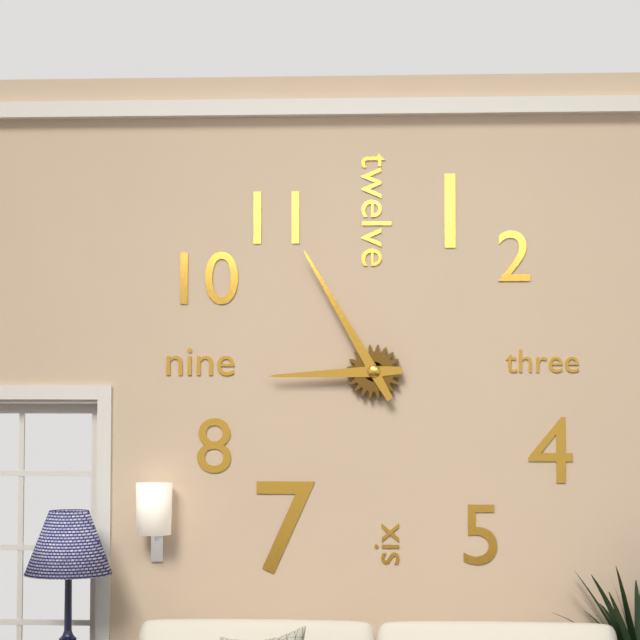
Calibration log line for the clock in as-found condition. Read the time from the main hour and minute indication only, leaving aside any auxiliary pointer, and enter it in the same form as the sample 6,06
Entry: 8,55
